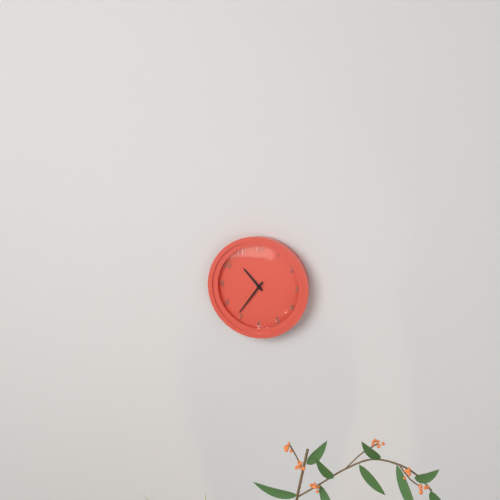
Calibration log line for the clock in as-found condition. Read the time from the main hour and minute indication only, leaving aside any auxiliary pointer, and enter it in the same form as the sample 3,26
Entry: 10,36
